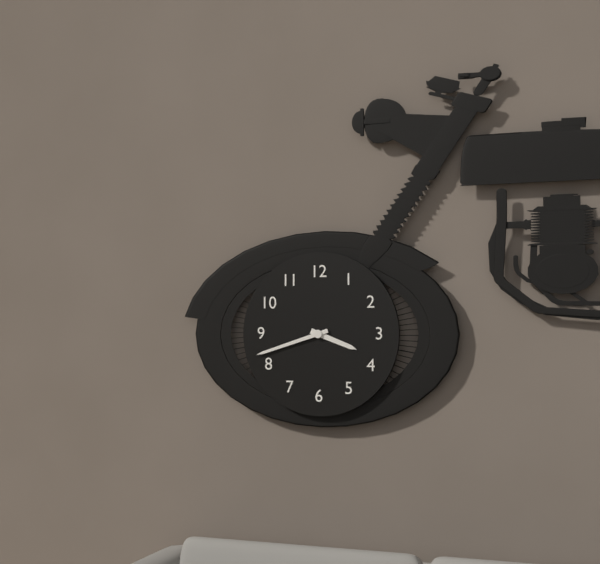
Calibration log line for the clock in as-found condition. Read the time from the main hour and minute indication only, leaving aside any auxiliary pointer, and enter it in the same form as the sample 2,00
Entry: 3,42
